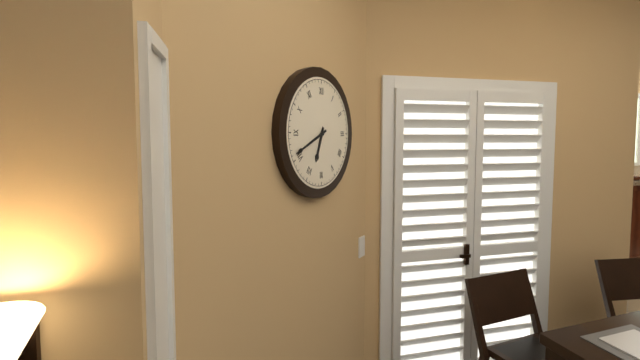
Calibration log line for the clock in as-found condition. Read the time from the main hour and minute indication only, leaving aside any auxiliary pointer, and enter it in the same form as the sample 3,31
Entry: 6,41
